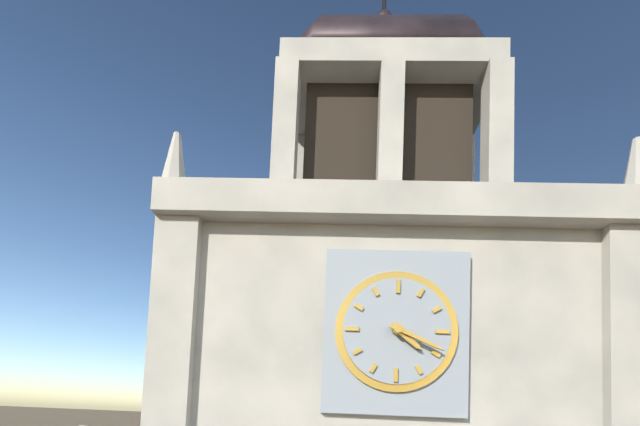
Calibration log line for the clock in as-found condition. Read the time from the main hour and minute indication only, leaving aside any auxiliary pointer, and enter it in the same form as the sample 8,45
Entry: 4,19
